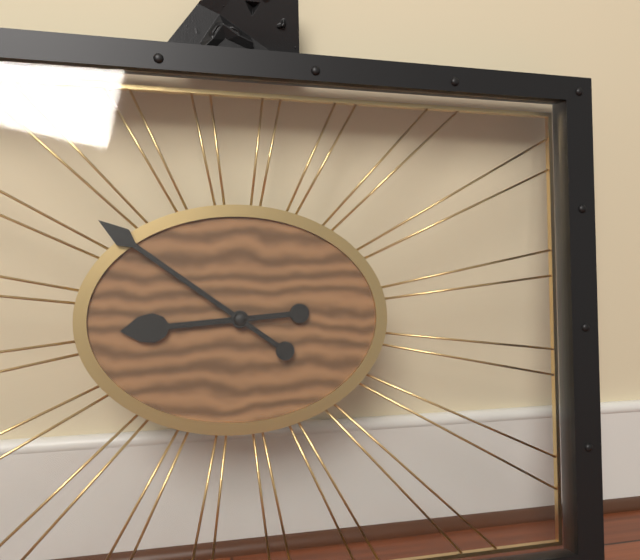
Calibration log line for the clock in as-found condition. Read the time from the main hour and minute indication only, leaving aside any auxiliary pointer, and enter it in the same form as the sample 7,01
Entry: 8,51
